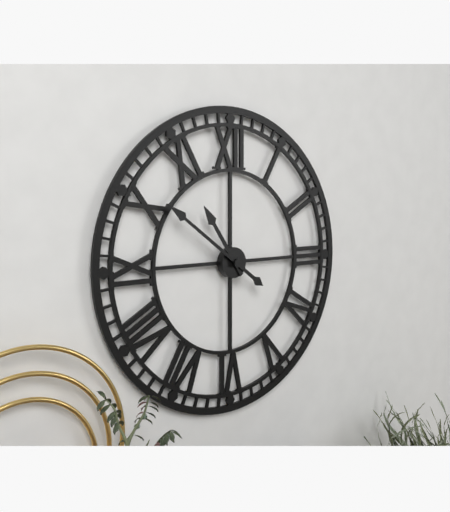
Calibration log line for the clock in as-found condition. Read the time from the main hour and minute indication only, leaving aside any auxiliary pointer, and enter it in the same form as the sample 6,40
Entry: 10,51
